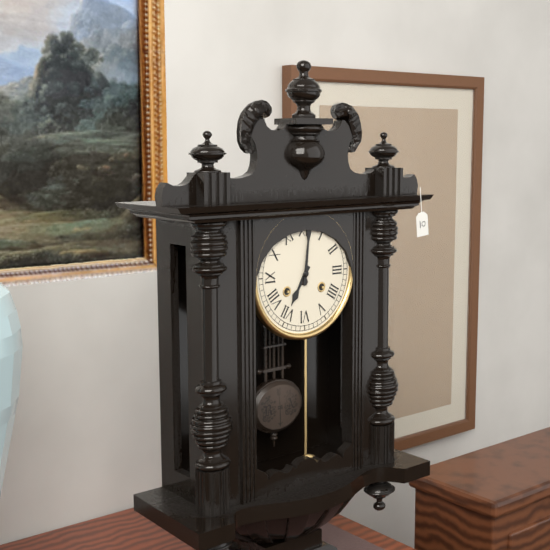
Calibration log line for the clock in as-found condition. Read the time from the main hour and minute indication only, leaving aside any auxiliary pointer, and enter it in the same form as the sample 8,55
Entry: 7,01
